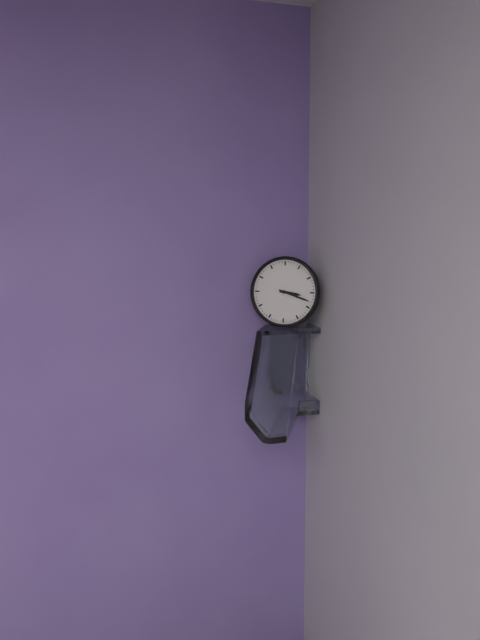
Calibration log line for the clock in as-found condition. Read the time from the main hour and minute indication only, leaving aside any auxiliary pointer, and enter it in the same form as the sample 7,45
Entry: 3,18
